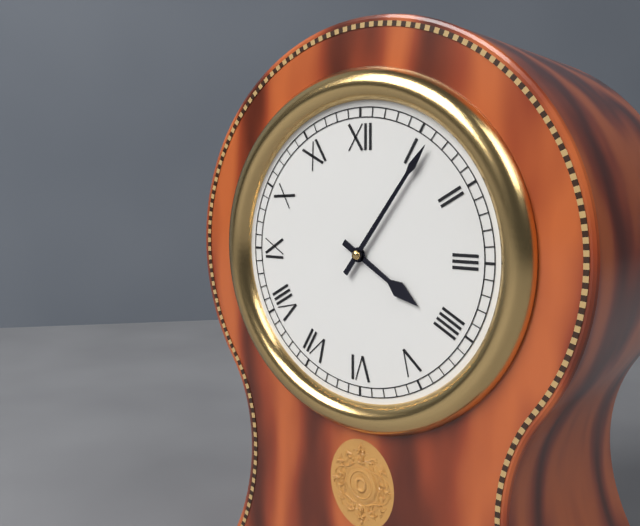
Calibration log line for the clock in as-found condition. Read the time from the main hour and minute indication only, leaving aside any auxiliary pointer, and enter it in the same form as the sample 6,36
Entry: 4,06
